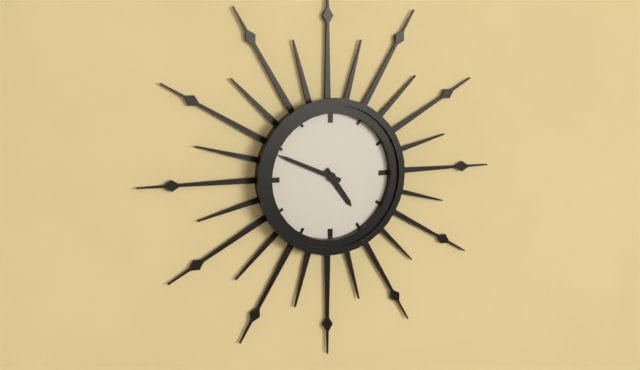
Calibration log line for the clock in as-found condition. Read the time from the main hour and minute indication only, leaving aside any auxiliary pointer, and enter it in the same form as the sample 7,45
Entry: 4,49
